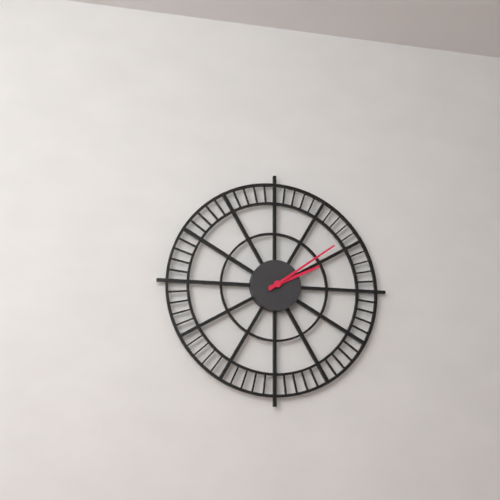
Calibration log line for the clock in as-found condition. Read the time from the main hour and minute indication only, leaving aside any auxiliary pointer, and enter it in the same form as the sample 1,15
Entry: 2,09
